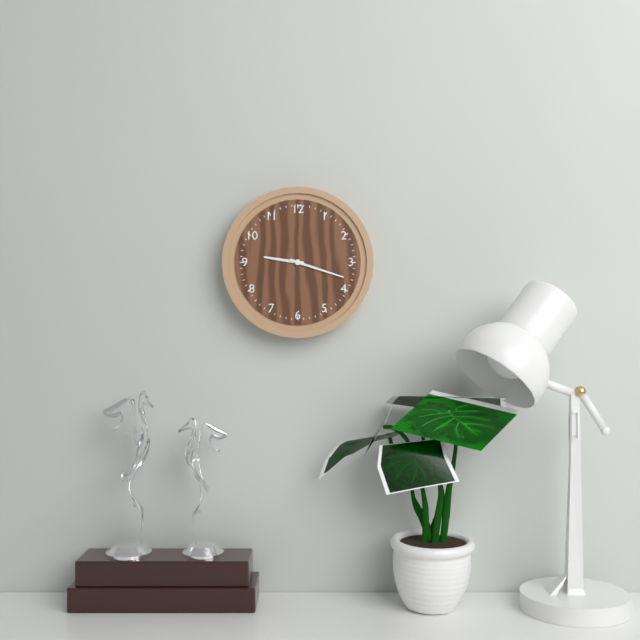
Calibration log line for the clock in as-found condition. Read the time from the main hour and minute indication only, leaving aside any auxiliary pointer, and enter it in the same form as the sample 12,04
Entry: 9,18
